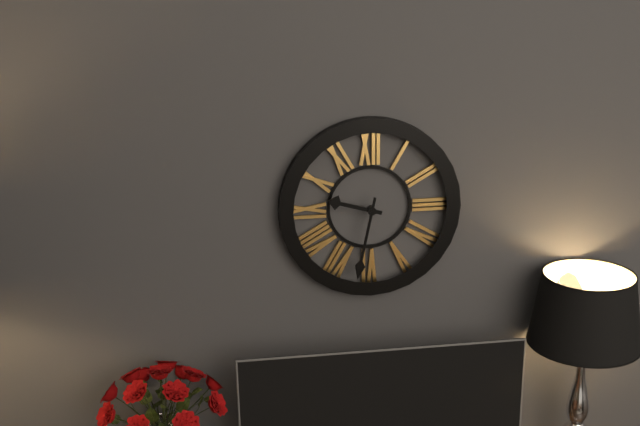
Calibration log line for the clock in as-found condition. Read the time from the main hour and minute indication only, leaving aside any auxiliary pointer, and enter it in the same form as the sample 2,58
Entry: 9,32
